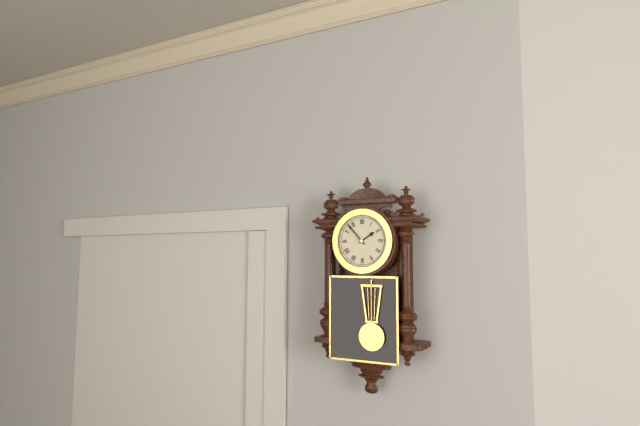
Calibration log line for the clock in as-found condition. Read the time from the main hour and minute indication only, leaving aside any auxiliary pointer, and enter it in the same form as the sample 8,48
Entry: 1,53
